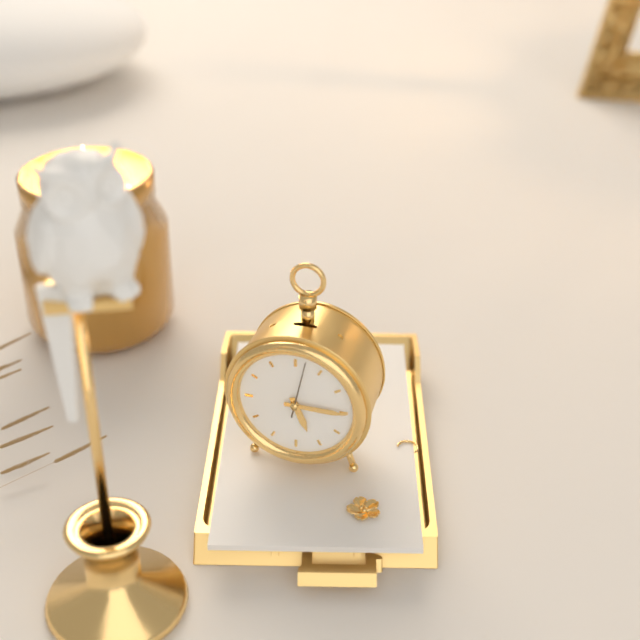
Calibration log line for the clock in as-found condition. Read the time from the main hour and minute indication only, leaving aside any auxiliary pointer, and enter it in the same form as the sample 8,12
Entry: 5,15
